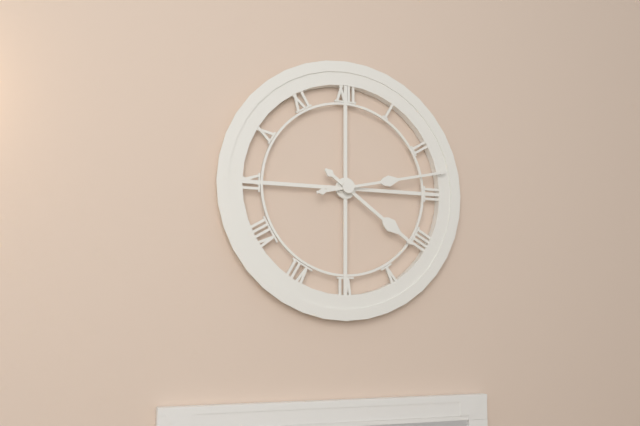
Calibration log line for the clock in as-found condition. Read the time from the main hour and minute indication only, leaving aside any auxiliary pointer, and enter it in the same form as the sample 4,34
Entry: 4,13
